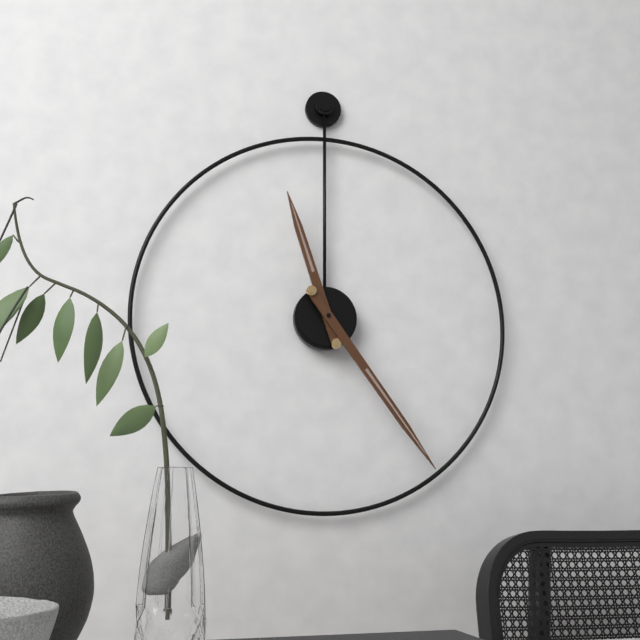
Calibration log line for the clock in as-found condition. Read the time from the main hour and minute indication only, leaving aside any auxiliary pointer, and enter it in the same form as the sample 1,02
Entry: 11,24
